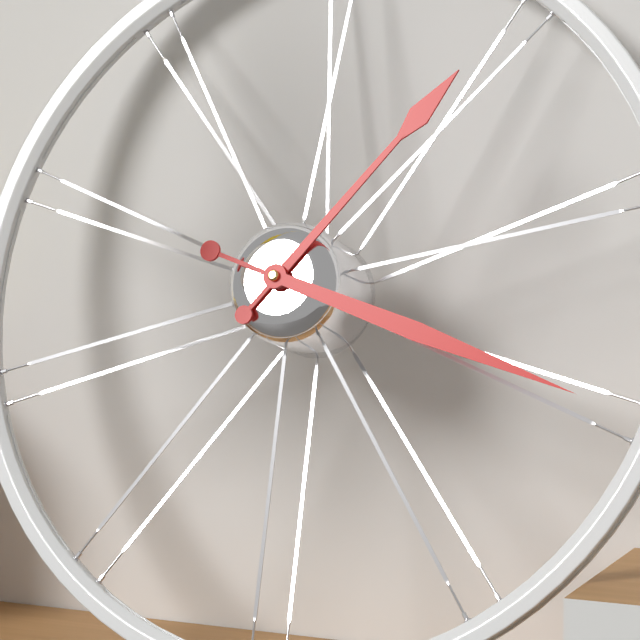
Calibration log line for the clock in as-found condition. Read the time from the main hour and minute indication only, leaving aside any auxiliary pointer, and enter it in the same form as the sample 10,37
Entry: 1,18
